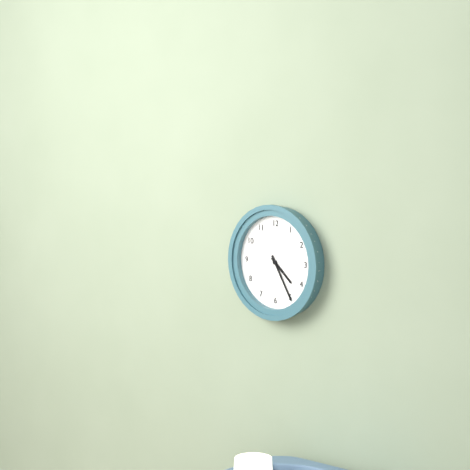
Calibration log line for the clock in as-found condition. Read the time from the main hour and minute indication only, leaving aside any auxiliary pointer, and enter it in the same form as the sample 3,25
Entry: 4,25
